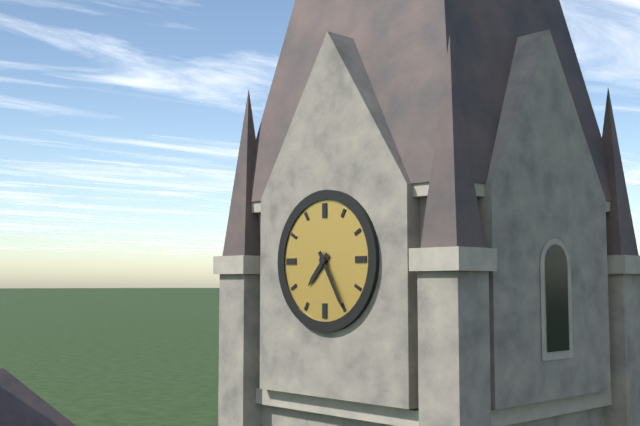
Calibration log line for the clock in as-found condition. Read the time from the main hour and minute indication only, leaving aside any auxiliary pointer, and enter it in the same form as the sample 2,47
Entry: 7,25
